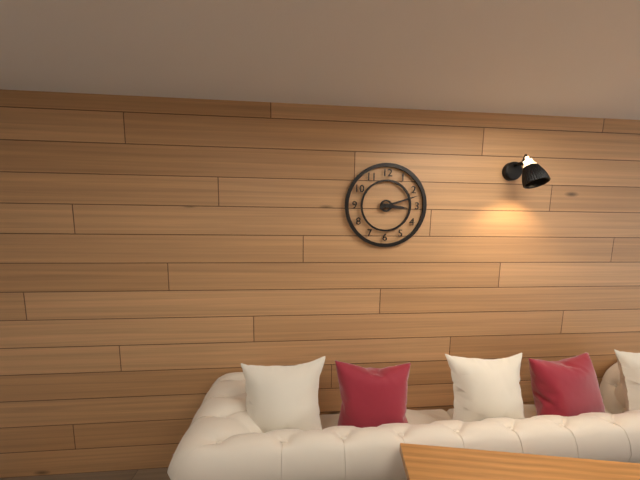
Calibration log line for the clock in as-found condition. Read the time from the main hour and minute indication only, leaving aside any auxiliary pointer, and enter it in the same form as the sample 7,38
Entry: 3,12
